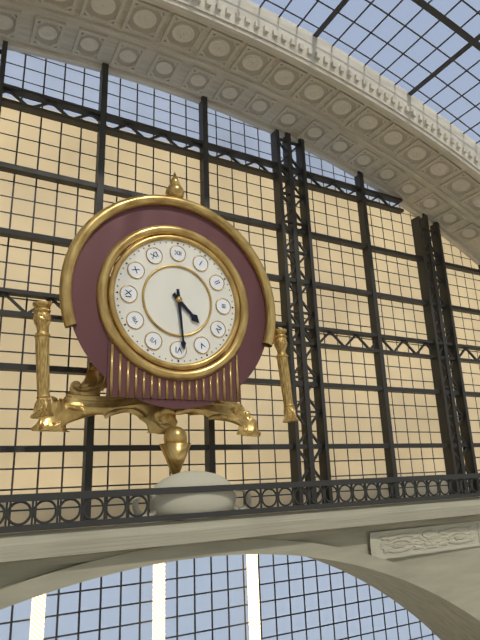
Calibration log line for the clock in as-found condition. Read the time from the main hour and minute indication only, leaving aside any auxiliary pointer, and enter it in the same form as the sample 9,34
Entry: 4,29
